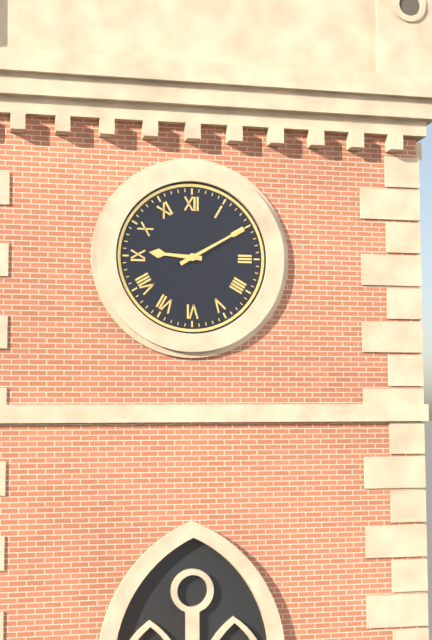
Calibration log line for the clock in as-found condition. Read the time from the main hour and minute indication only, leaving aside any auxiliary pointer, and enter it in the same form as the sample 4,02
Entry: 9,10
